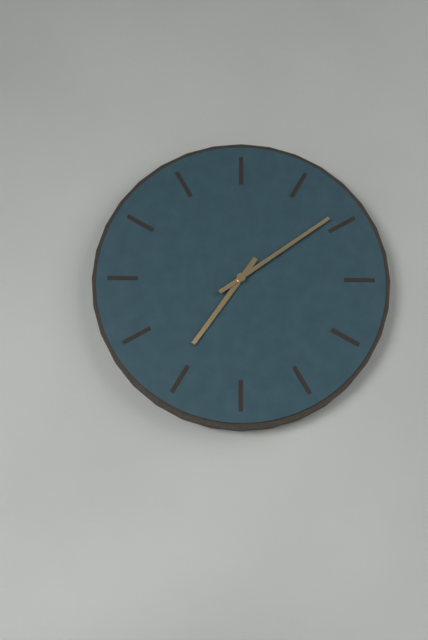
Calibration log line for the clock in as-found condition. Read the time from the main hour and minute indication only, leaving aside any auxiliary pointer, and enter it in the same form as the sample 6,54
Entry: 7,09
